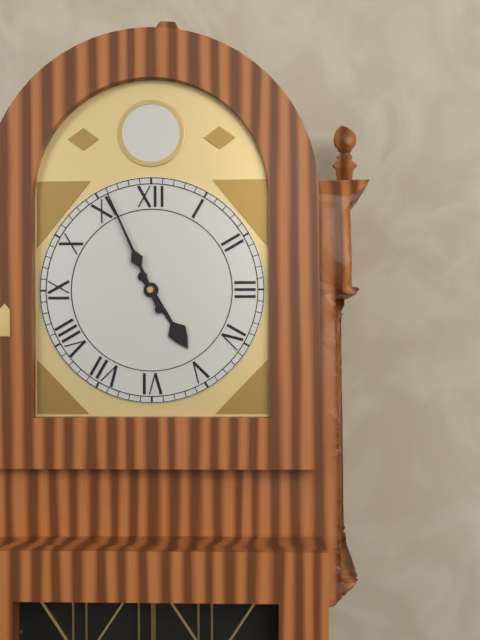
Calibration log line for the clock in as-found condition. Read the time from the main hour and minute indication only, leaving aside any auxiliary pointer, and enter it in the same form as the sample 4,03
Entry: 4,56
